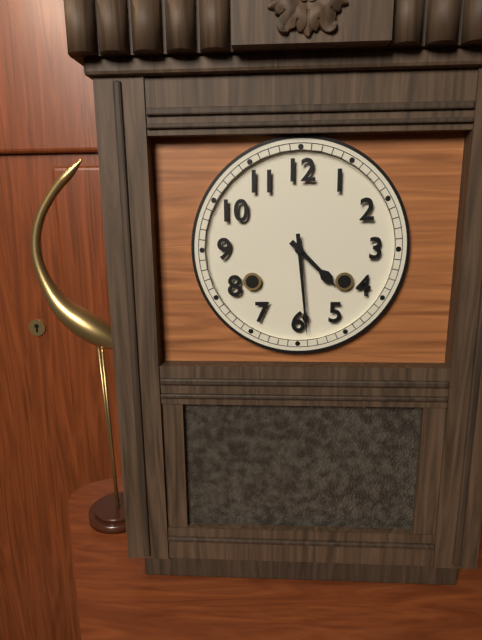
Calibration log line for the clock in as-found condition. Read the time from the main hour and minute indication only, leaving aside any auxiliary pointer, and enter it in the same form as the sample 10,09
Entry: 4,29
